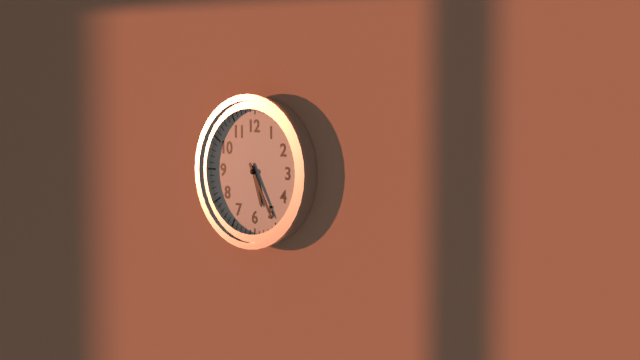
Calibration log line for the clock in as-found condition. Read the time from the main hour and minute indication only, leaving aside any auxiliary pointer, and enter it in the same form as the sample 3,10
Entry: 5,25
